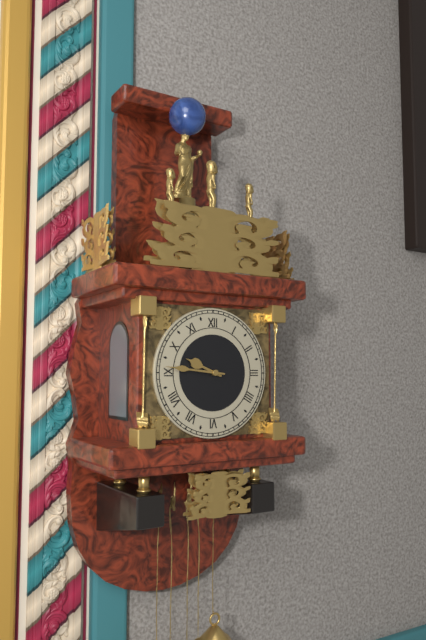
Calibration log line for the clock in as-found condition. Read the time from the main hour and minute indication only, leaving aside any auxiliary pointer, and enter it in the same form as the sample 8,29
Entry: 9,46
